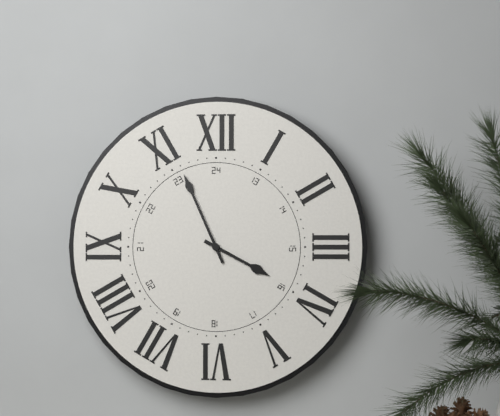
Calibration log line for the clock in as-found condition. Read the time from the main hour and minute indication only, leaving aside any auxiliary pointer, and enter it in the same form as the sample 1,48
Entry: 3,56
